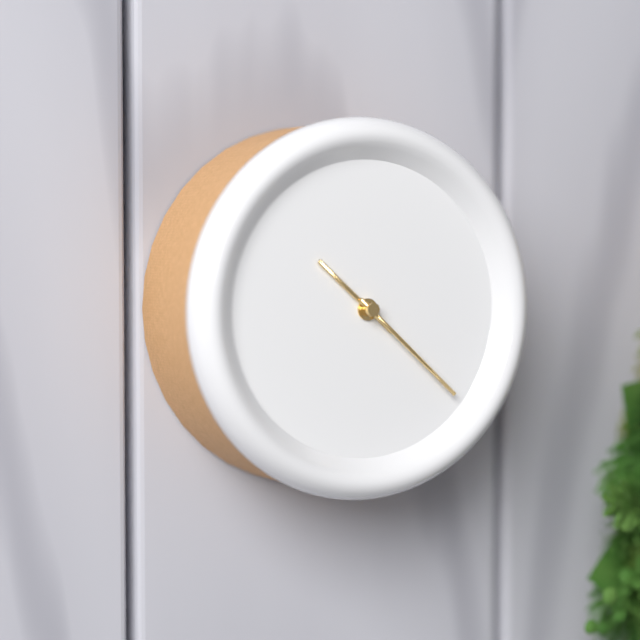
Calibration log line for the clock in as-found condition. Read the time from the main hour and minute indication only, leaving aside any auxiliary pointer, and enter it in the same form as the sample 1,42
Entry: 10,22
